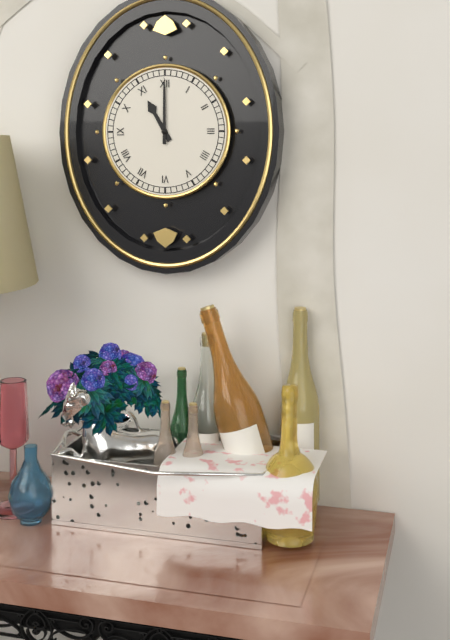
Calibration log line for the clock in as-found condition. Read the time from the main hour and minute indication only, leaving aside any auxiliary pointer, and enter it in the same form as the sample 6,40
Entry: 11,00
